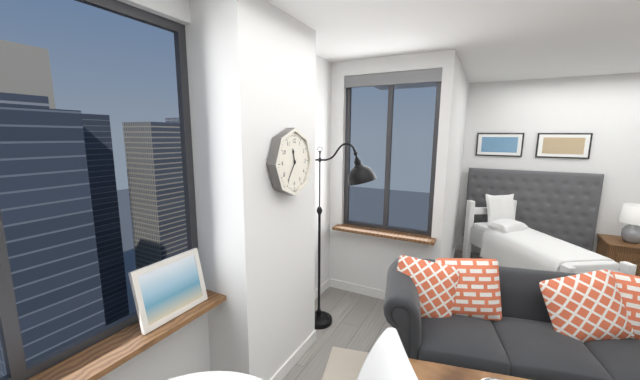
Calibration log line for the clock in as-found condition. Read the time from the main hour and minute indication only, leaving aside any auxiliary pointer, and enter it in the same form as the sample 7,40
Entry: 11,36
